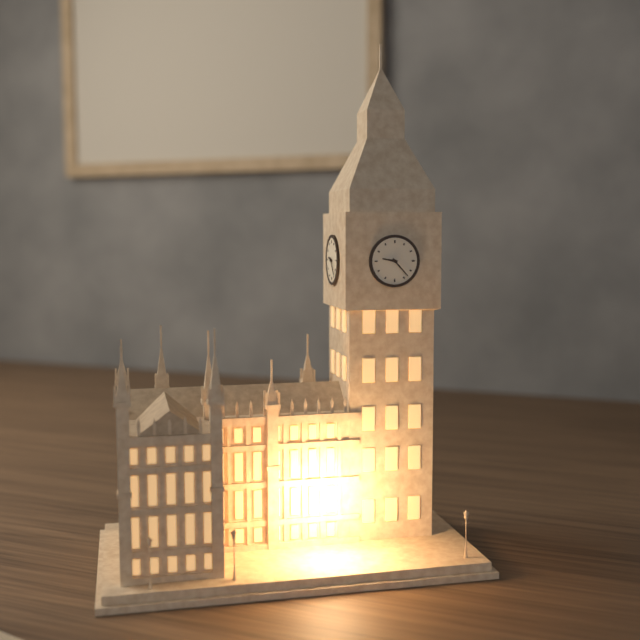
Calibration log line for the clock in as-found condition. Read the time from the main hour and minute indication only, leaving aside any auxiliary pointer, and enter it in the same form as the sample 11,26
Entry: 9,23
